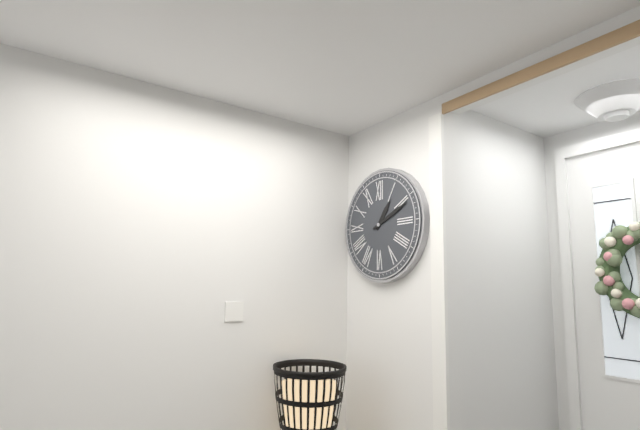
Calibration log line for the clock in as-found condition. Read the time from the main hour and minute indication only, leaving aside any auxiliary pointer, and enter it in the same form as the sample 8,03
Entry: 1,11
